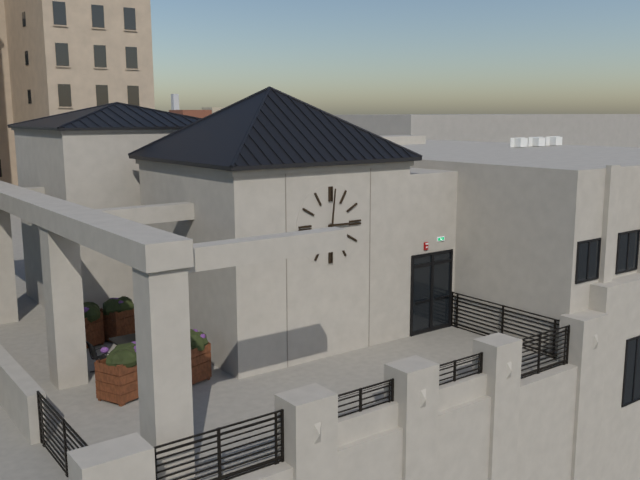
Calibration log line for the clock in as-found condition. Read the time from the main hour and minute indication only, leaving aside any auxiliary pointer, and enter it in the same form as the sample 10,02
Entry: 3,01
